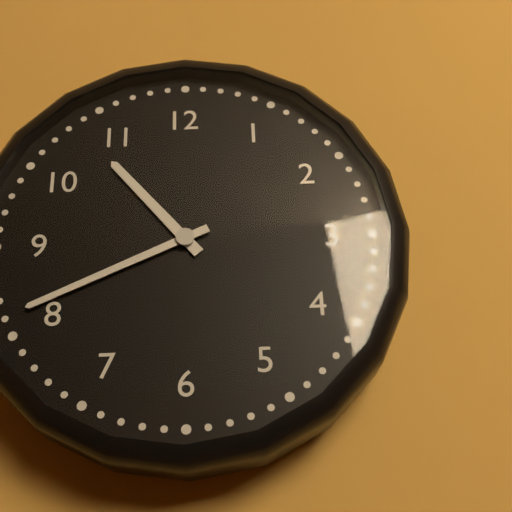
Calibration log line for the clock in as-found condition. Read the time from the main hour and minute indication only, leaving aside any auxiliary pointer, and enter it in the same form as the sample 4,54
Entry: 10,41
